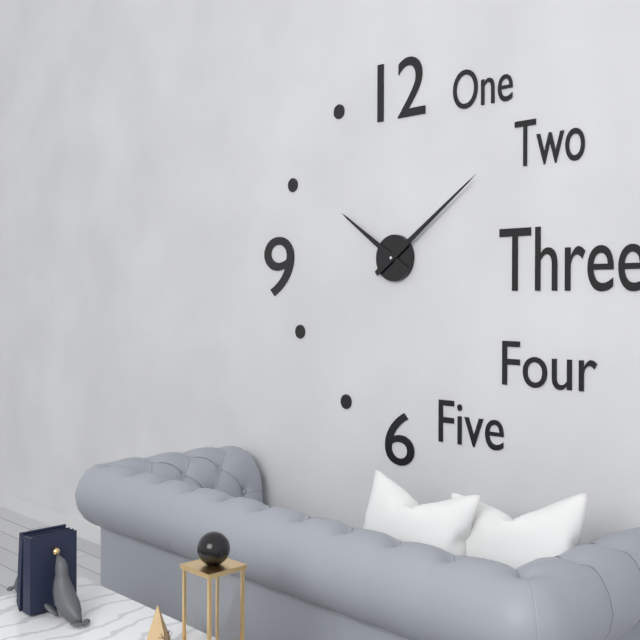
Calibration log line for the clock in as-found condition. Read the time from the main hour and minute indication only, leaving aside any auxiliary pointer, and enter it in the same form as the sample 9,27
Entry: 10,09
